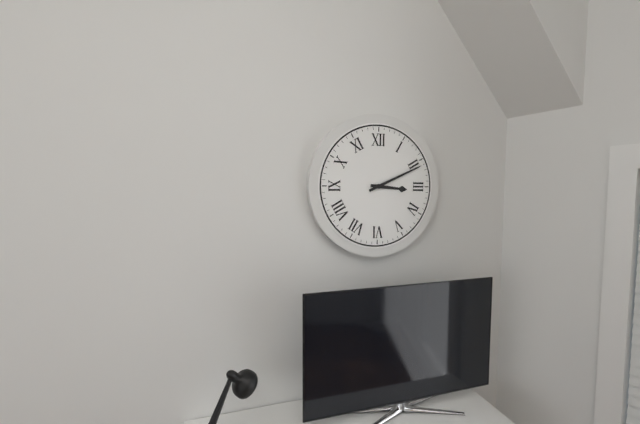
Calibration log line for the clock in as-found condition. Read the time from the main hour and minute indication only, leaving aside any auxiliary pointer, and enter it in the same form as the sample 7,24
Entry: 3,11
